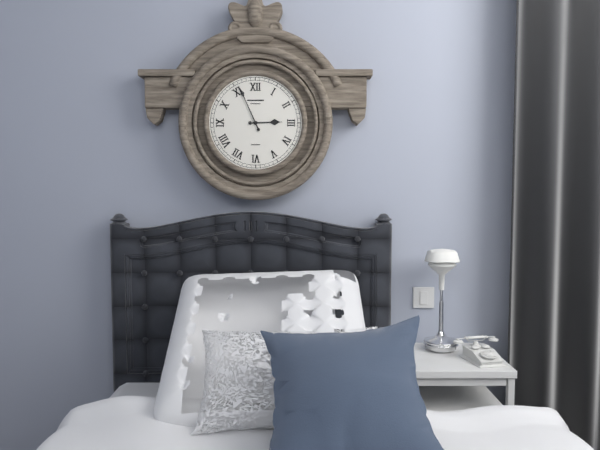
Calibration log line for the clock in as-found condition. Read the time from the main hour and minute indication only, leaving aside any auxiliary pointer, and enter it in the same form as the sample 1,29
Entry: 2,56
